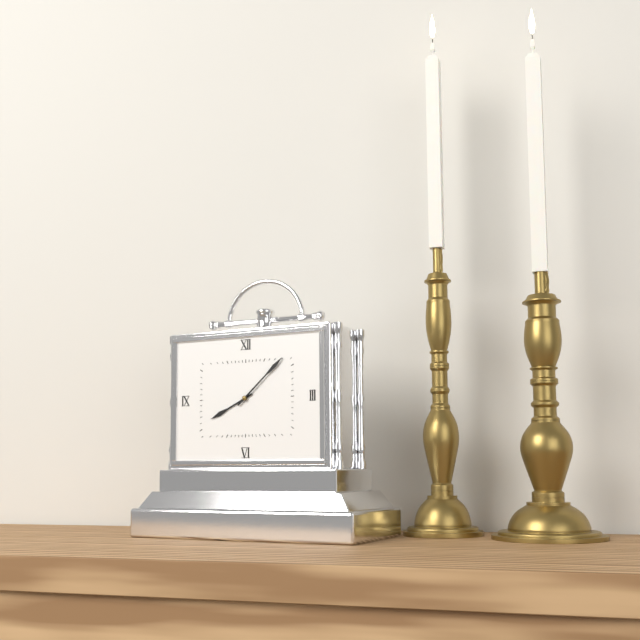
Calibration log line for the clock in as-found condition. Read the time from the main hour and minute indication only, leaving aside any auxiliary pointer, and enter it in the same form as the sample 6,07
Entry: 8,08
